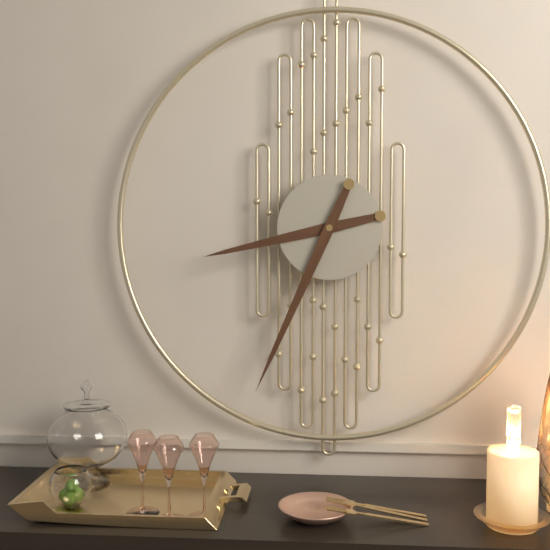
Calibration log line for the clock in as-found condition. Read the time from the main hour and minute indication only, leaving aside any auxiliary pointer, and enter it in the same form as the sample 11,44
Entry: 8,34
